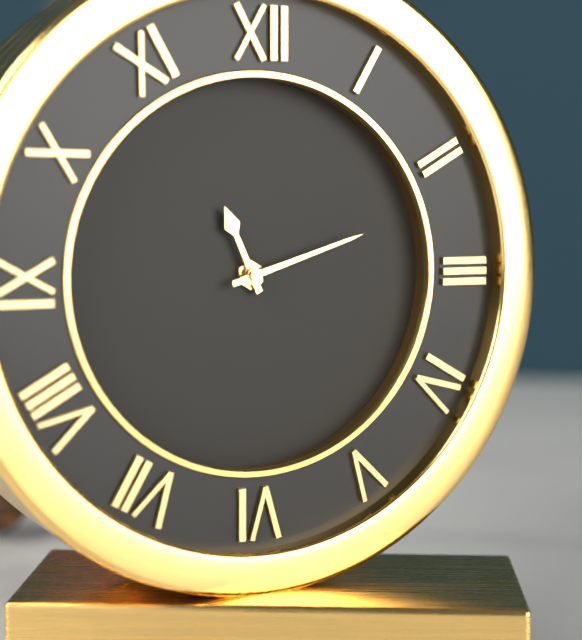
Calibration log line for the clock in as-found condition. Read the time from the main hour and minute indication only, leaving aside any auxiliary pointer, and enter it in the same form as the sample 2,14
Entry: 11,12
